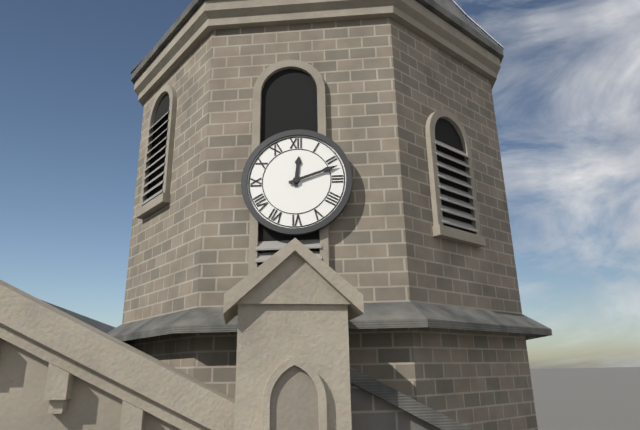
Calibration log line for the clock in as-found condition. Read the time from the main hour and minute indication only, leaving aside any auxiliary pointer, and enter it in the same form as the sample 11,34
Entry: 12,12
